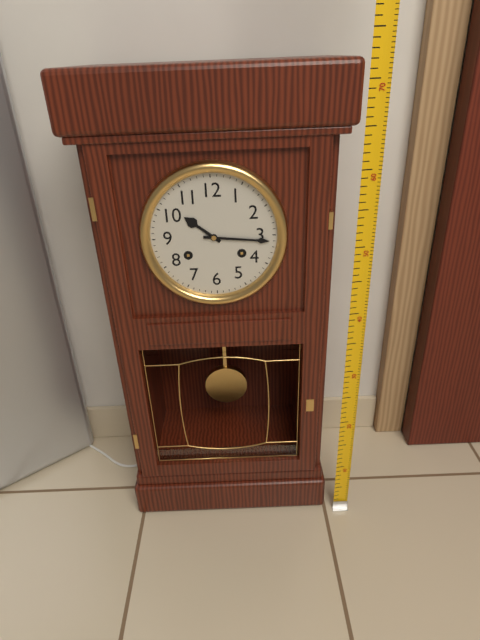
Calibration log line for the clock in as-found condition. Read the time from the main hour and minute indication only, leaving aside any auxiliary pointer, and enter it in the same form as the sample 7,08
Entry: 10,16
